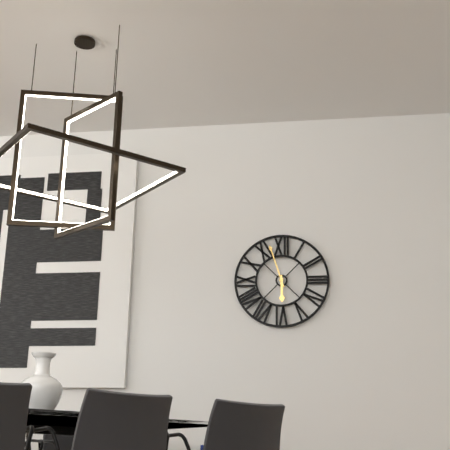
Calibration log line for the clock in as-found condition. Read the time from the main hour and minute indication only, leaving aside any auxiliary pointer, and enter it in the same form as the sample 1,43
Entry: 5,57
